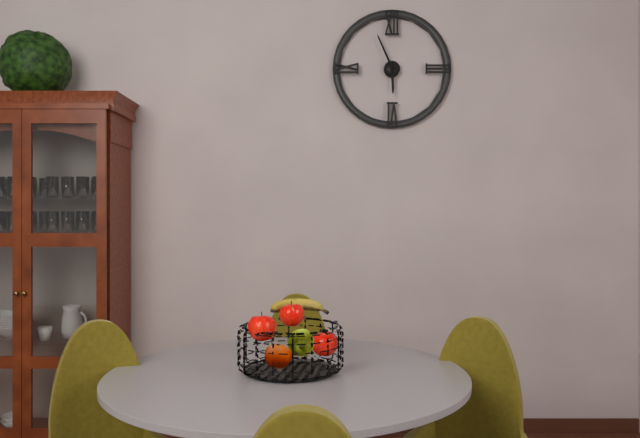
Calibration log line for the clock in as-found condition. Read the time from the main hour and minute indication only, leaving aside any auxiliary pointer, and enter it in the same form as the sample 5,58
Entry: 5,56
